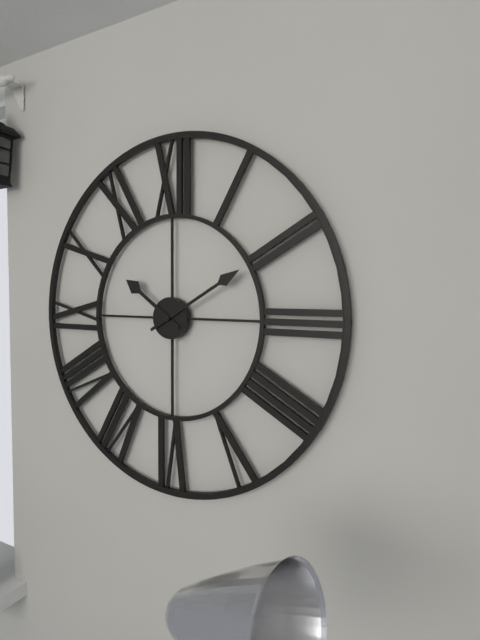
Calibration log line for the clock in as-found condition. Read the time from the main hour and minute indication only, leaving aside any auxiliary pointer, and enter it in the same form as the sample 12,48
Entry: 10,10
